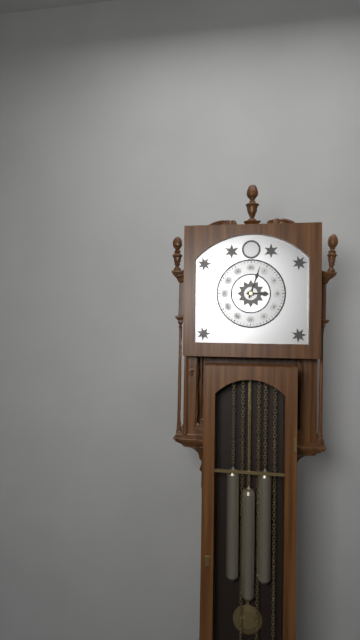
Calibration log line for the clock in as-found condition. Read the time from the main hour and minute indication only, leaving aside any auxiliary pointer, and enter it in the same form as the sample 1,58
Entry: 3,03
